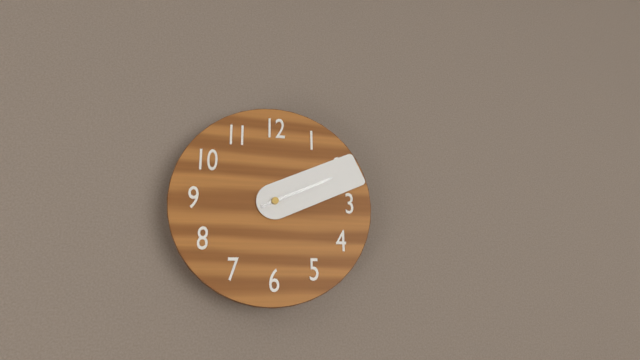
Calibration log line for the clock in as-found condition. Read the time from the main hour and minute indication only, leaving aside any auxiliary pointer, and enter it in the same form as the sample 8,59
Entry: 2,11
